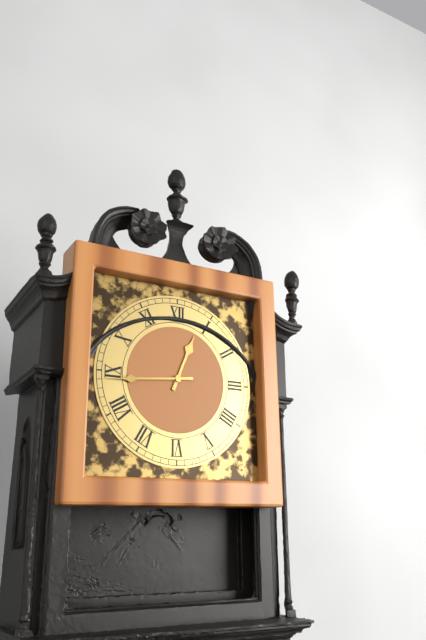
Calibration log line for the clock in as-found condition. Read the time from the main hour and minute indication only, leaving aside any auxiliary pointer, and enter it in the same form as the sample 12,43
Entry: 12,44
